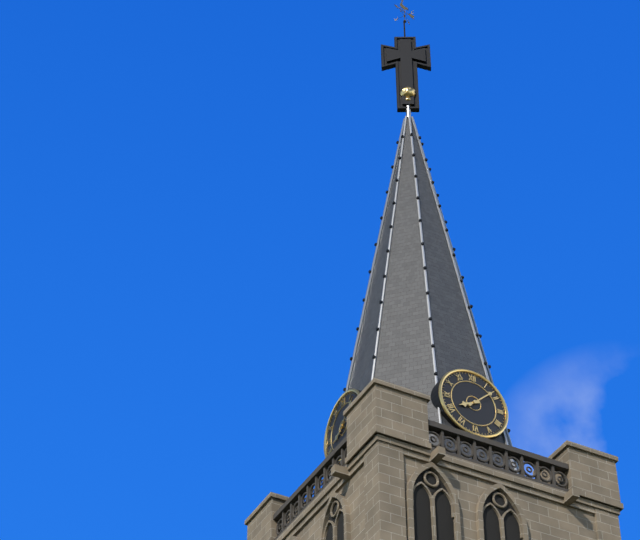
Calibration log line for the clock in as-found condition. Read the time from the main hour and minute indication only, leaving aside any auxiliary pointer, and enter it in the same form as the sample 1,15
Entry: 8,08
